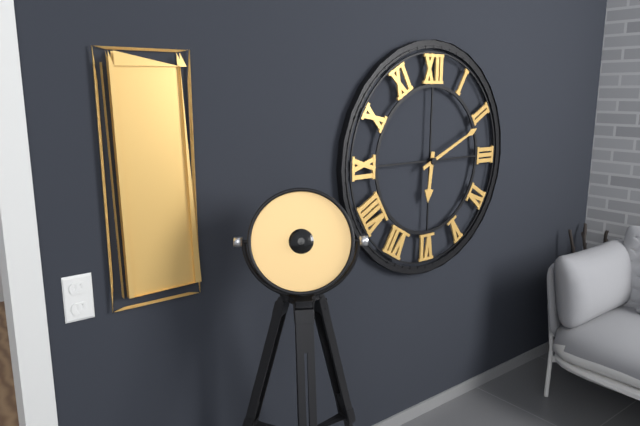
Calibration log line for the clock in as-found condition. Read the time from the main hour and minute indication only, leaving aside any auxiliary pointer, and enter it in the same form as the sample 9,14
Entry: 6,11
